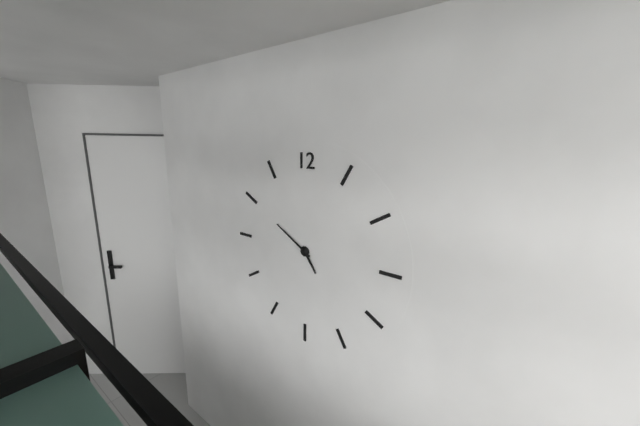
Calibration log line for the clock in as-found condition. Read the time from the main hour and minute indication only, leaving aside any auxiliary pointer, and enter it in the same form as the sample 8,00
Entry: 4,50
